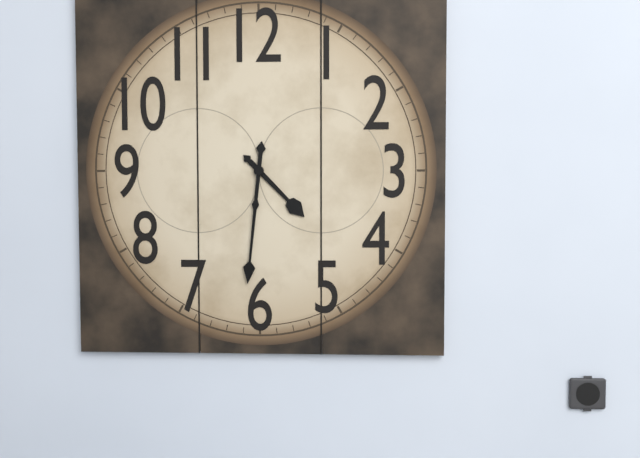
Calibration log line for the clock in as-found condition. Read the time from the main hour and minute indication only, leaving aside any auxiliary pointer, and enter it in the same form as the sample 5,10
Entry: 4,31
